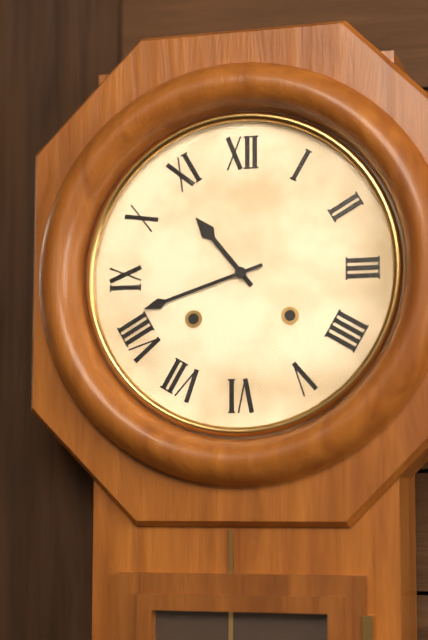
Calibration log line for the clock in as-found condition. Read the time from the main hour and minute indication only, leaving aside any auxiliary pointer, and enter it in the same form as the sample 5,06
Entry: 10,42
